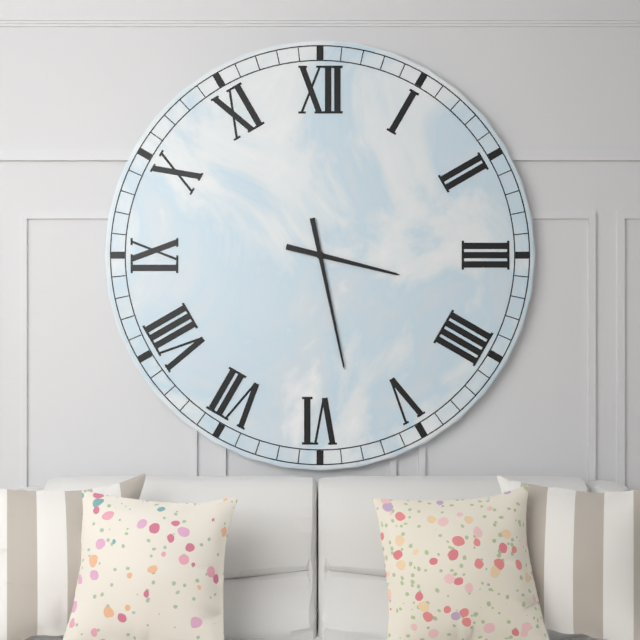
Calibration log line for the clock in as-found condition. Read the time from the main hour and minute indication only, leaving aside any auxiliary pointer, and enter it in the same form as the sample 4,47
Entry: 3,28
